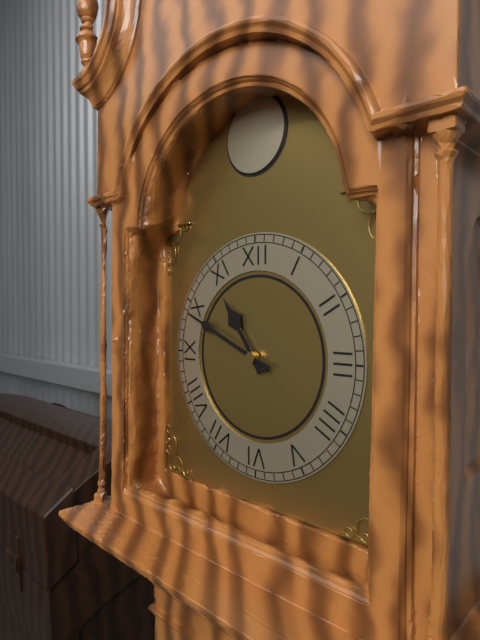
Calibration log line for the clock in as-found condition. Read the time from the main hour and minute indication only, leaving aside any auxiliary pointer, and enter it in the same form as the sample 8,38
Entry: 10,49
